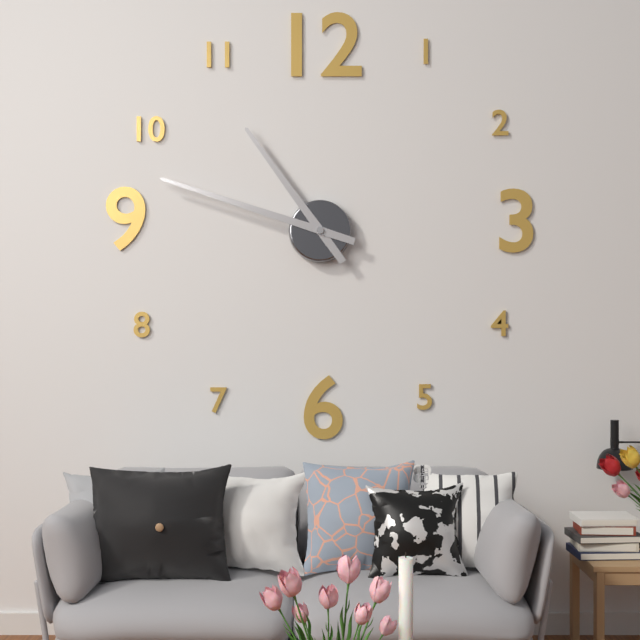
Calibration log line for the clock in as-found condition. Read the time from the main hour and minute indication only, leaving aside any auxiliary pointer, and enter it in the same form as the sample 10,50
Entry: 10,48
